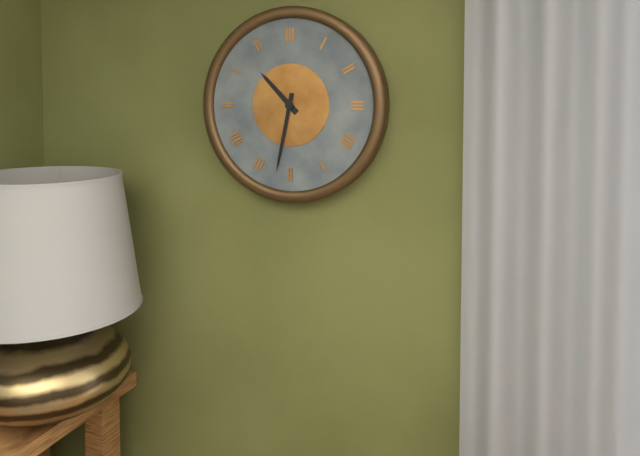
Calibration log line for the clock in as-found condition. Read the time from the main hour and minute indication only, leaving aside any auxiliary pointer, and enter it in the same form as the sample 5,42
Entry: 10,32
